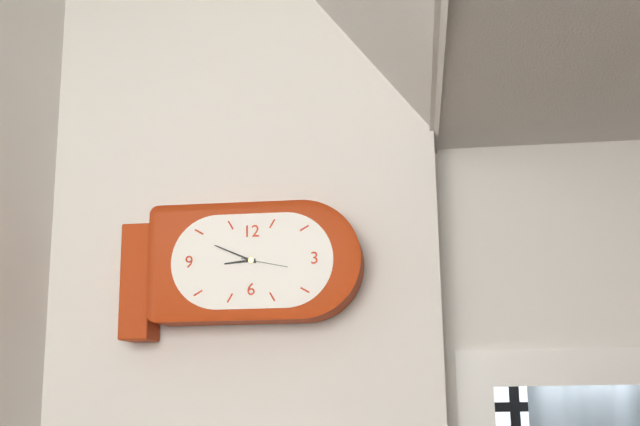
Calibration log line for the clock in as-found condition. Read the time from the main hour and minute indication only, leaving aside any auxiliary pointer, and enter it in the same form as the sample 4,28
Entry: 8,49
